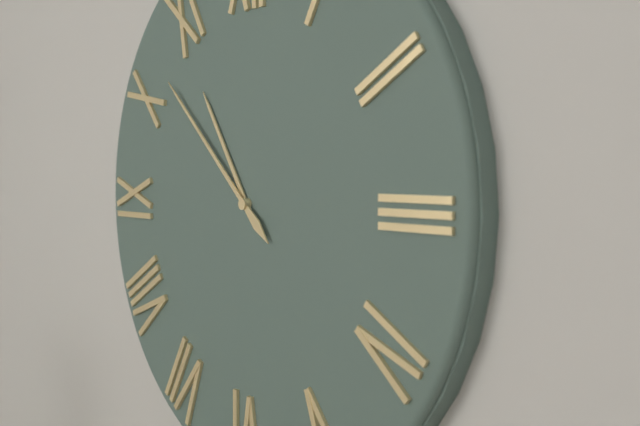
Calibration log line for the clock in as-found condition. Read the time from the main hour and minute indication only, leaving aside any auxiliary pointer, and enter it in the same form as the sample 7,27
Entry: 10,52
